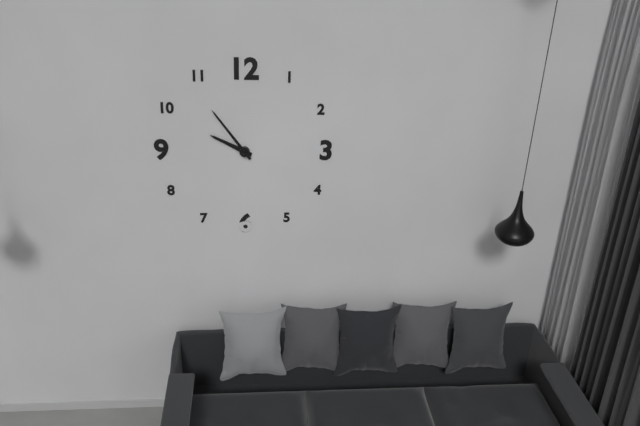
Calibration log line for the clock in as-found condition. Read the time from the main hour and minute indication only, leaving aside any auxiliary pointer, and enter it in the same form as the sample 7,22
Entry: 9,54
